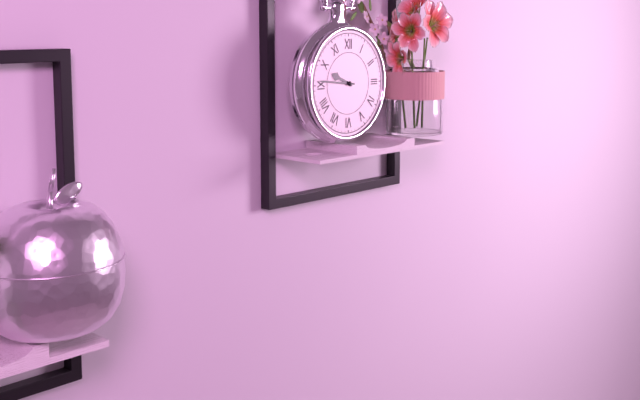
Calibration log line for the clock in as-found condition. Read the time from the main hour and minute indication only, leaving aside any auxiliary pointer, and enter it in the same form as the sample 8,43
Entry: 9,46
